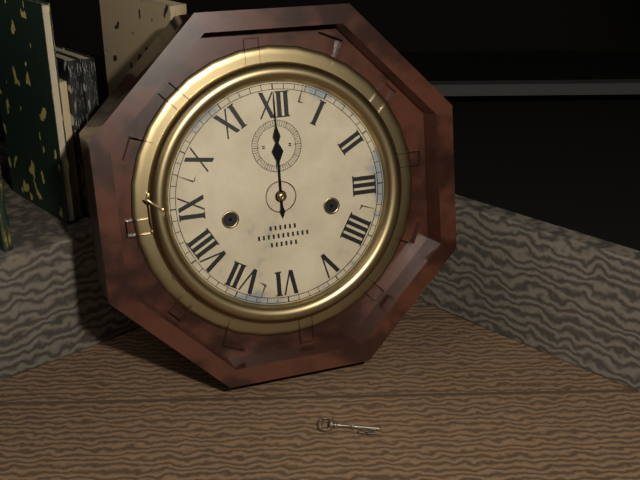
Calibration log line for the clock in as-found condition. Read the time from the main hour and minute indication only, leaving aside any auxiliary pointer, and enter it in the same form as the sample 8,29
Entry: 12,00
